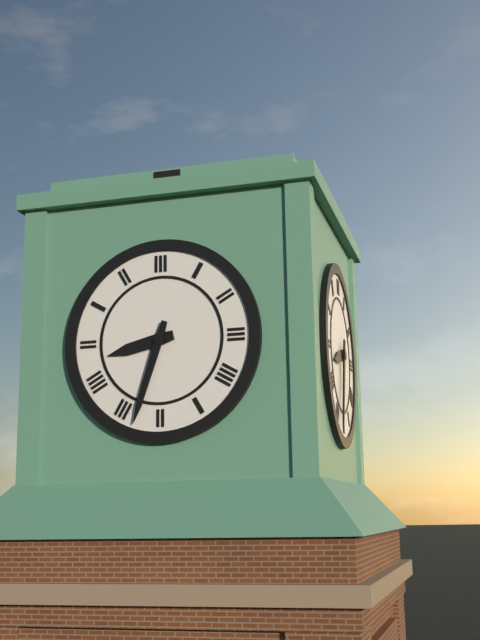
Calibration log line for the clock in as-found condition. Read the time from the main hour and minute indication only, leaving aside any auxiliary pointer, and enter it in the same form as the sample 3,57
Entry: 8,33
